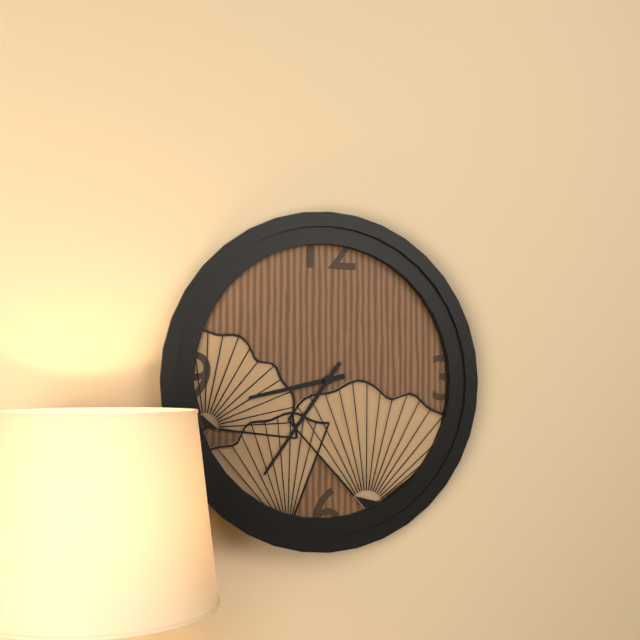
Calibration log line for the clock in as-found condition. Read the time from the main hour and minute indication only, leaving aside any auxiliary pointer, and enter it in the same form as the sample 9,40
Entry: 8,36
